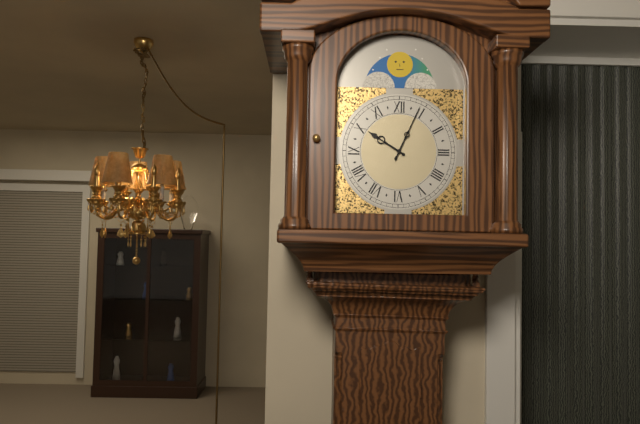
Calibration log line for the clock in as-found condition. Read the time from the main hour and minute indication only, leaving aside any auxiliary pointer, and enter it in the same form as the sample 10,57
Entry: 10,04
